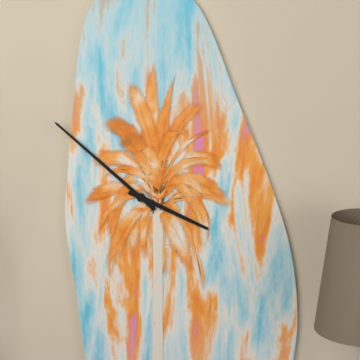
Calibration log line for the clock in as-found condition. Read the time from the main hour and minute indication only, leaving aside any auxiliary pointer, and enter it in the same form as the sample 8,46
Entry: 3,52
